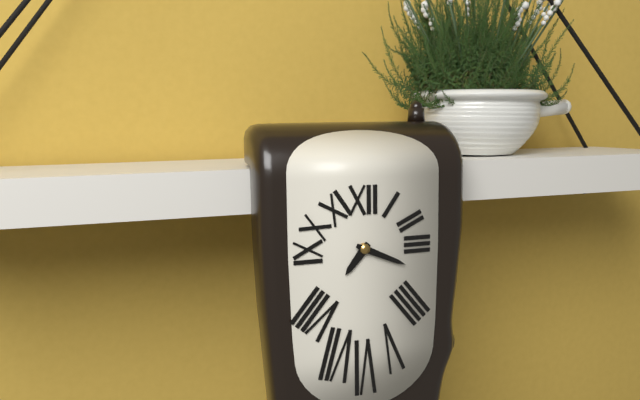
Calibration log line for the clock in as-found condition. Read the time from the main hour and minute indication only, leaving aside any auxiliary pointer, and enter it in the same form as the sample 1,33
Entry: 7,19
